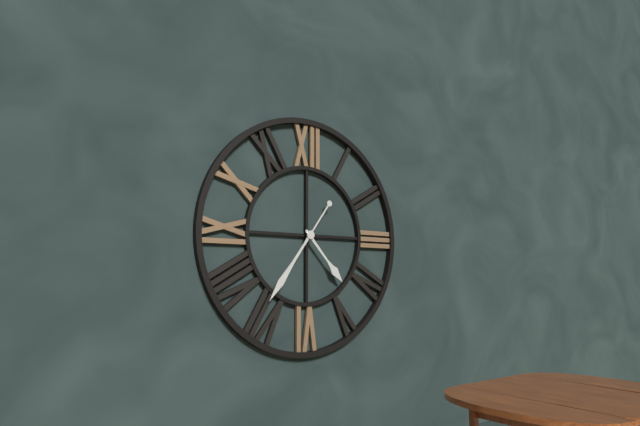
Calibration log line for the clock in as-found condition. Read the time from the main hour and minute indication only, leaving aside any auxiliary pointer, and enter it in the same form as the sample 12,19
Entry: 4,36
